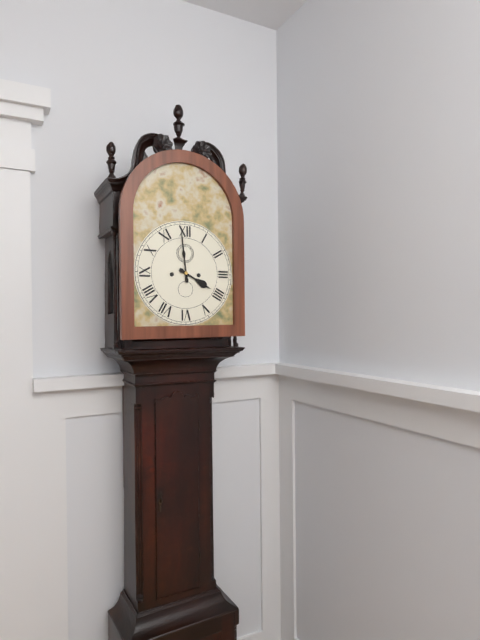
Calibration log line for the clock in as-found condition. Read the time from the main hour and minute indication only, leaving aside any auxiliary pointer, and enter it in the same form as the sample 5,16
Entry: 3,59
